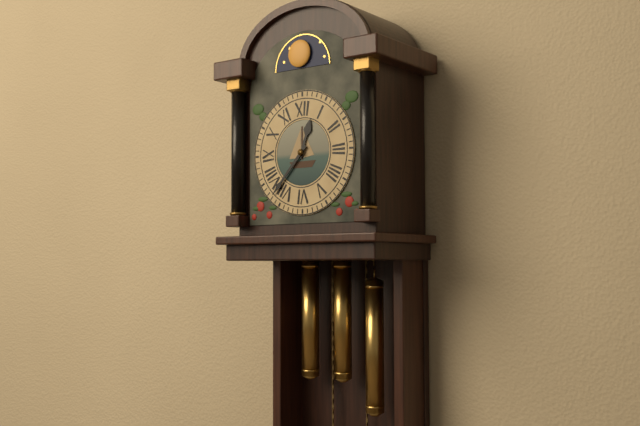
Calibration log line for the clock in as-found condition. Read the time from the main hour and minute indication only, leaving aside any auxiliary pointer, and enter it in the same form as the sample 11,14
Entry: 12,37
